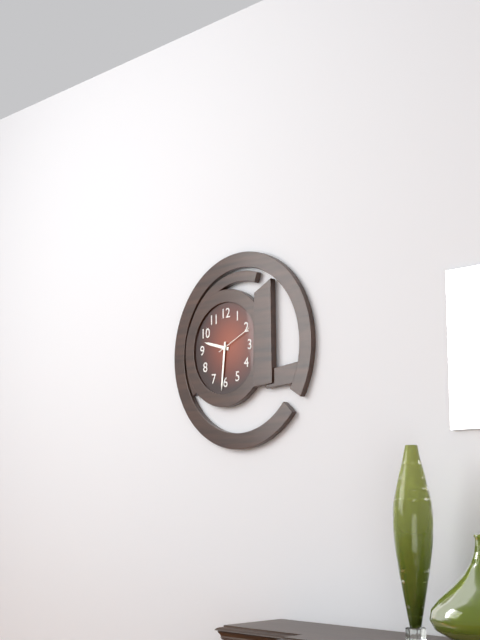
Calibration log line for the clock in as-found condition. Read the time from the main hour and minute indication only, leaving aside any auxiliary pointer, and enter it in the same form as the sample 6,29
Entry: 9,31
